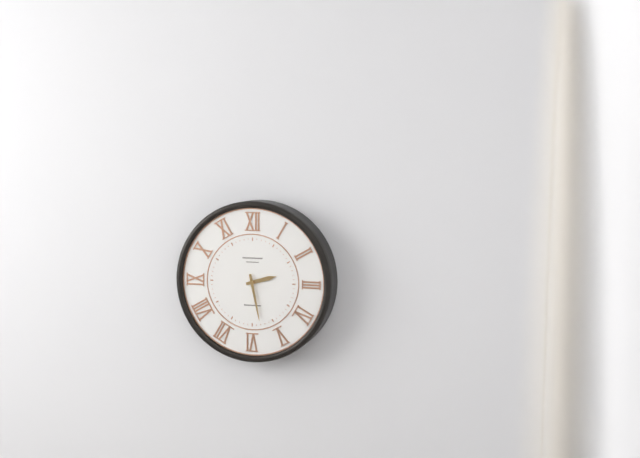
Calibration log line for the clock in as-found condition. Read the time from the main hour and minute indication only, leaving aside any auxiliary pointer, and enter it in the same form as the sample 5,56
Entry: 2,28
